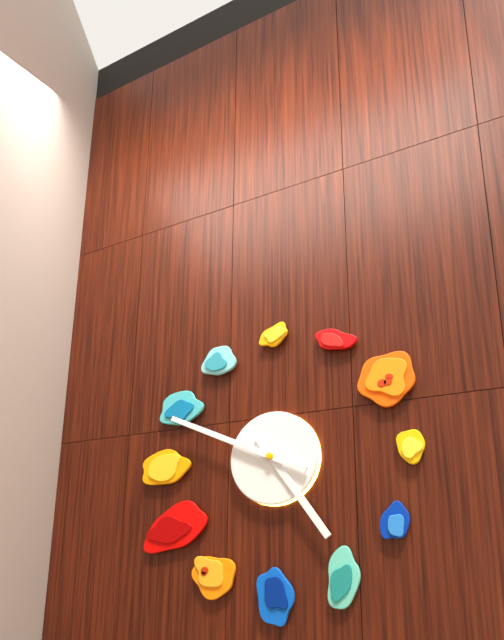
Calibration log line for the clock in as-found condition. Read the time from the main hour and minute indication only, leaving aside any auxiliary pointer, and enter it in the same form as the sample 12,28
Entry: 4,49
